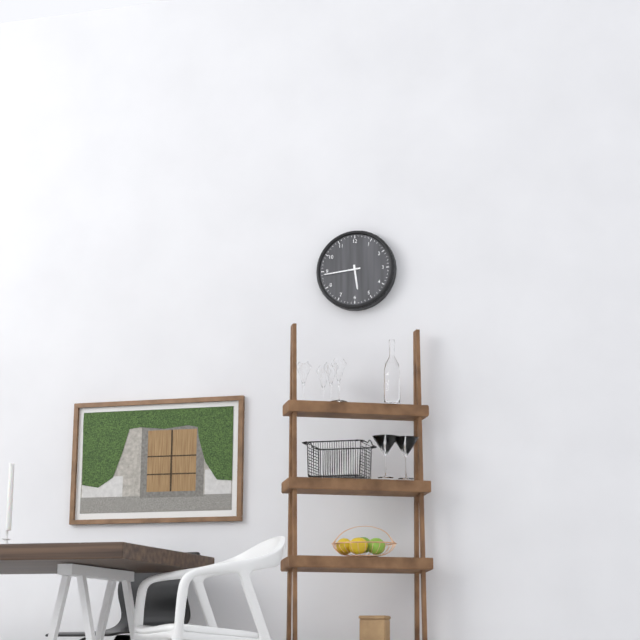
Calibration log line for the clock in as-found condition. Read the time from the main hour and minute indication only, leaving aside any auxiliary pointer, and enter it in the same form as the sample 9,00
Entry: 5,44
